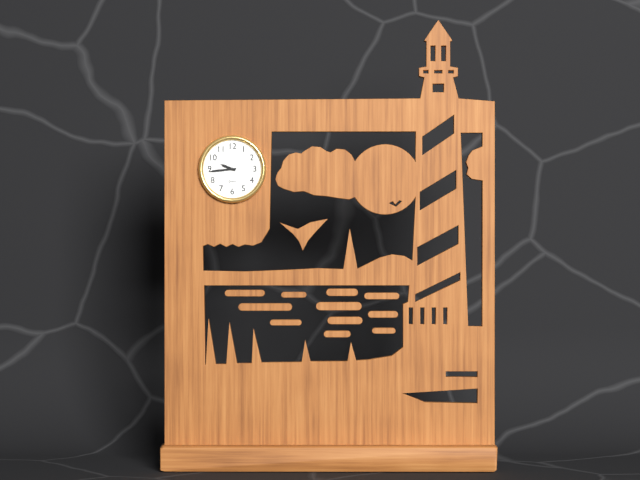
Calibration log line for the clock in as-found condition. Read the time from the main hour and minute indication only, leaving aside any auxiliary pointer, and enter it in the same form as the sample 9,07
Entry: 9,44
